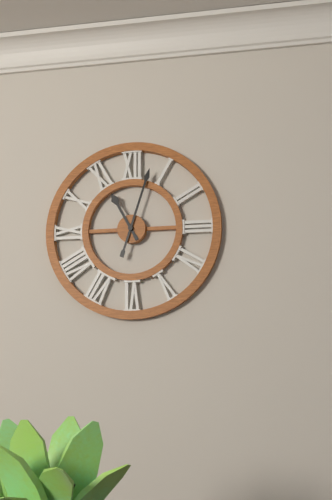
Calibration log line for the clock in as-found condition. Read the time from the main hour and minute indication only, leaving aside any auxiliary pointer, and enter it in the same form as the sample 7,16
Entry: 11,03
